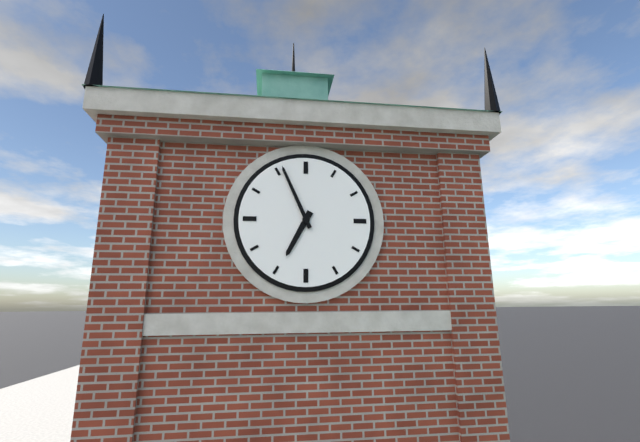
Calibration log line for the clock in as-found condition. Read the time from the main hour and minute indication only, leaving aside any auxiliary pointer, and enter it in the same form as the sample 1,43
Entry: 6,56
